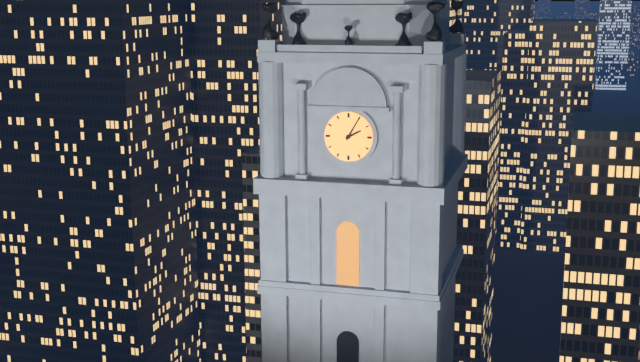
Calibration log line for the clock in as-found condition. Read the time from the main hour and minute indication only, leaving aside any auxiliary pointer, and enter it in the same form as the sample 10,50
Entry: 2,05
